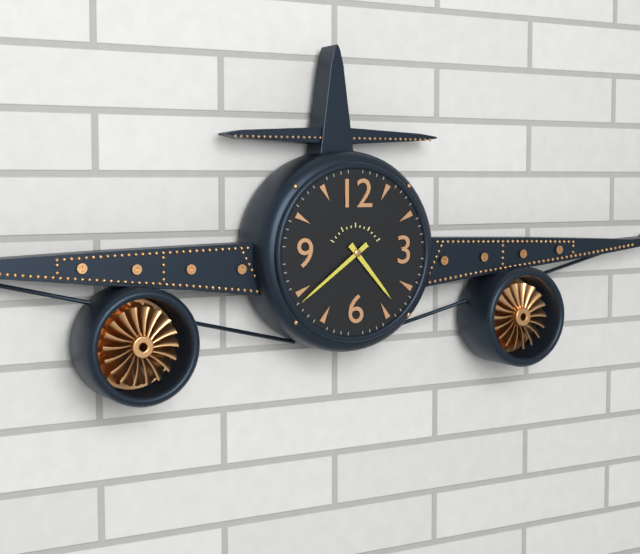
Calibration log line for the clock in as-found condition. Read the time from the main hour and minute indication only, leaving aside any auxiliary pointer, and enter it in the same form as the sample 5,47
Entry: 4,39
